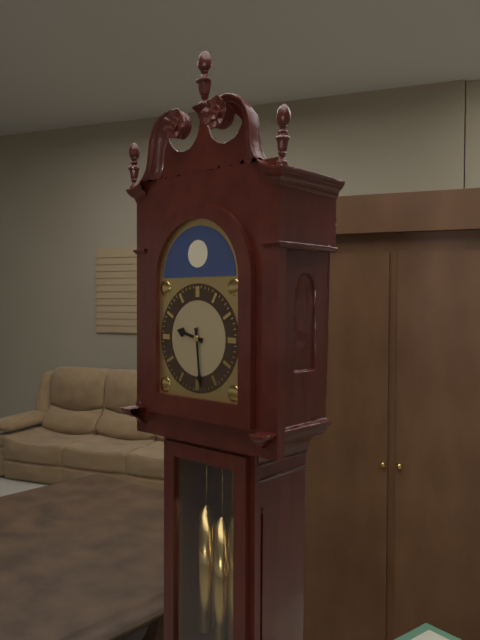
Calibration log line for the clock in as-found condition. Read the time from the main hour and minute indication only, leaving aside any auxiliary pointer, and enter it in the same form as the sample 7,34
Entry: 9,29
